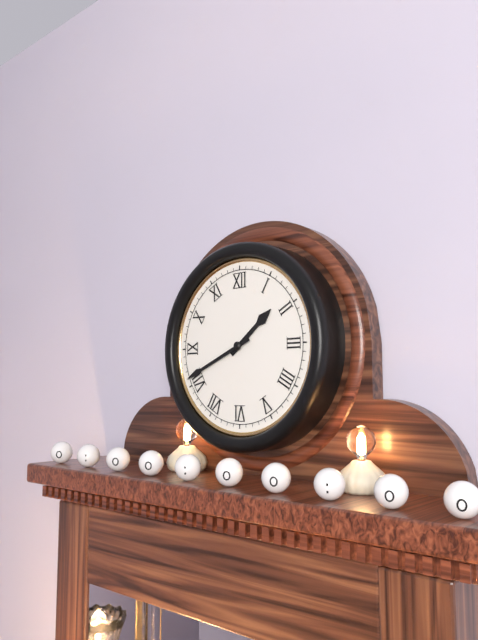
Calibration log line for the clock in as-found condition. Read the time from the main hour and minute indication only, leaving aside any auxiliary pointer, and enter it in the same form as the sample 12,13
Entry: 1,41
